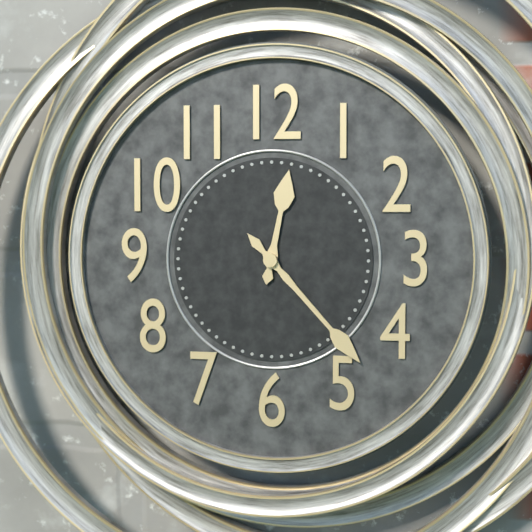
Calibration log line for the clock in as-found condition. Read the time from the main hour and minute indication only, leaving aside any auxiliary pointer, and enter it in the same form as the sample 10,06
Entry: 12,23
